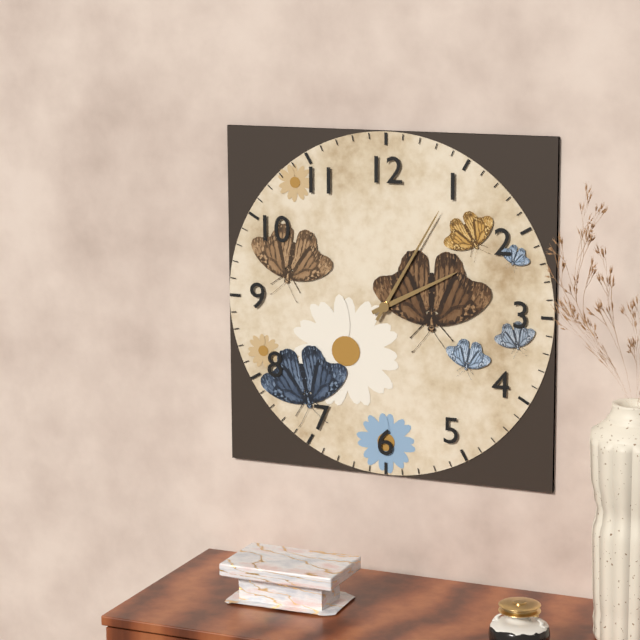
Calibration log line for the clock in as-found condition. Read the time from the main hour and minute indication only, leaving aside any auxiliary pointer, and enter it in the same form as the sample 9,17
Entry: 2,05
